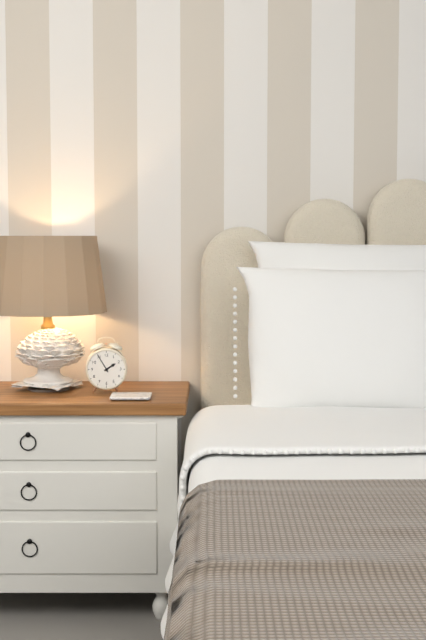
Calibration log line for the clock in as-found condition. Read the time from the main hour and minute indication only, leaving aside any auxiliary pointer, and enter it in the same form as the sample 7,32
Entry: 1,55
